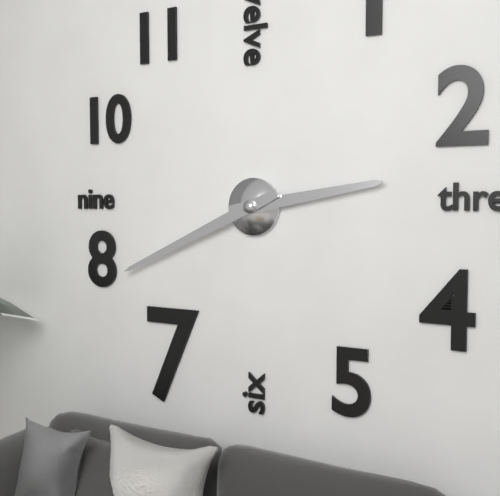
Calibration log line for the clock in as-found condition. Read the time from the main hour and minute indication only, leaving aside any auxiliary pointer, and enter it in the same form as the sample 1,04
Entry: 2,41
